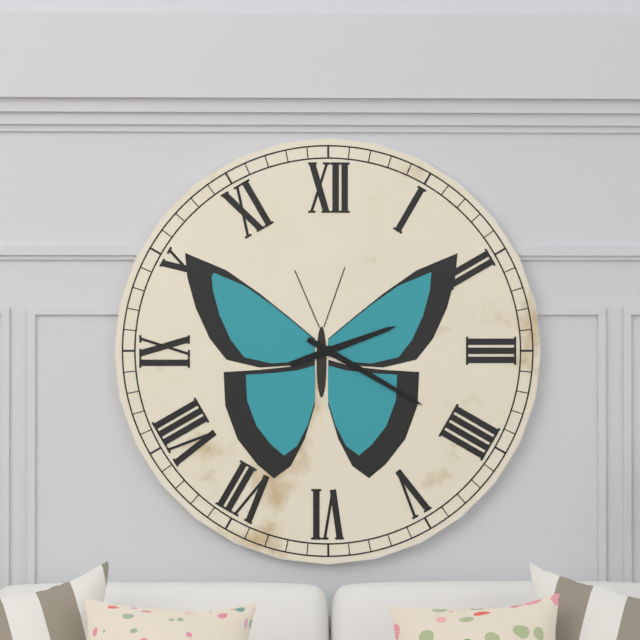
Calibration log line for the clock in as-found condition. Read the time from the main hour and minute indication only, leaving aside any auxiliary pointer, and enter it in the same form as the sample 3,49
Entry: 2,20
